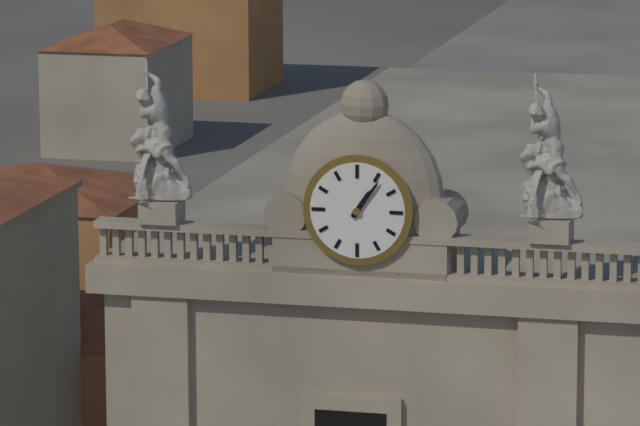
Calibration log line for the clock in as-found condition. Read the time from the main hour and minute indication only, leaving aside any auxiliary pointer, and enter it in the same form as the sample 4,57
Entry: 1,06
